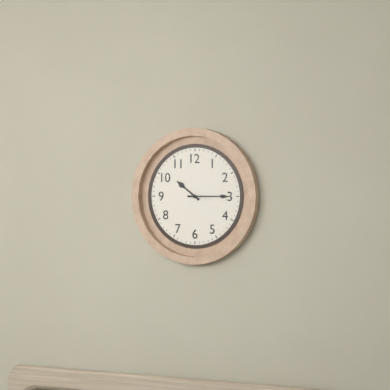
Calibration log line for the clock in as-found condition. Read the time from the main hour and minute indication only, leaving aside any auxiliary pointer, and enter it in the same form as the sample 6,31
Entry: 10,15
